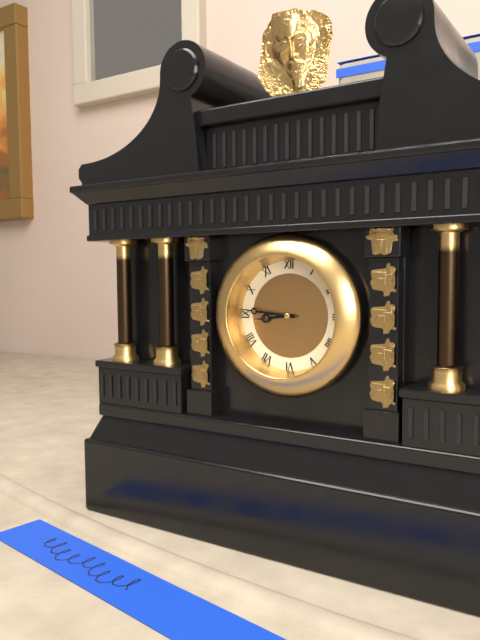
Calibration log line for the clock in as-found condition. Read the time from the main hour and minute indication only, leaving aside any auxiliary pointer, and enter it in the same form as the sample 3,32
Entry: 8,46
